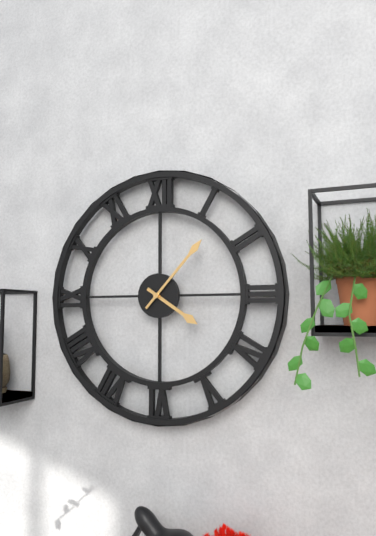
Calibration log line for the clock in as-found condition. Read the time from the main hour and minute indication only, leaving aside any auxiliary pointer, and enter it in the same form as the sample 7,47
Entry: 4,07
